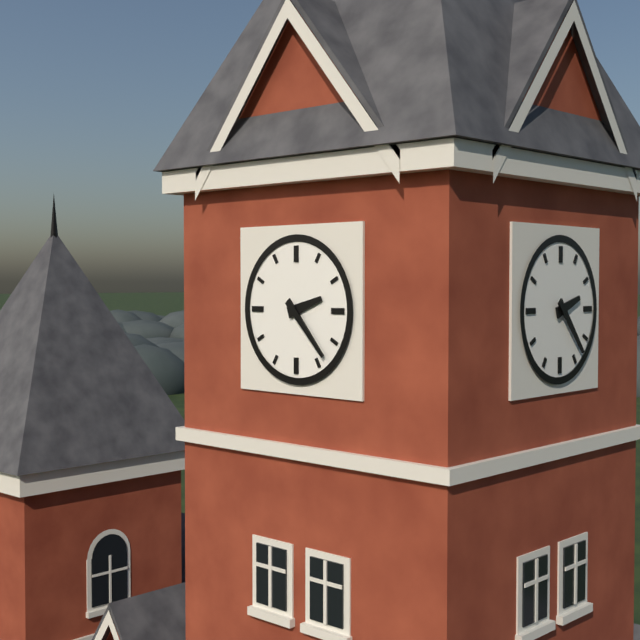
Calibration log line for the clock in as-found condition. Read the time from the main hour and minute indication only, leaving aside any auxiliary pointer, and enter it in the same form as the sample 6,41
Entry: 2,23
